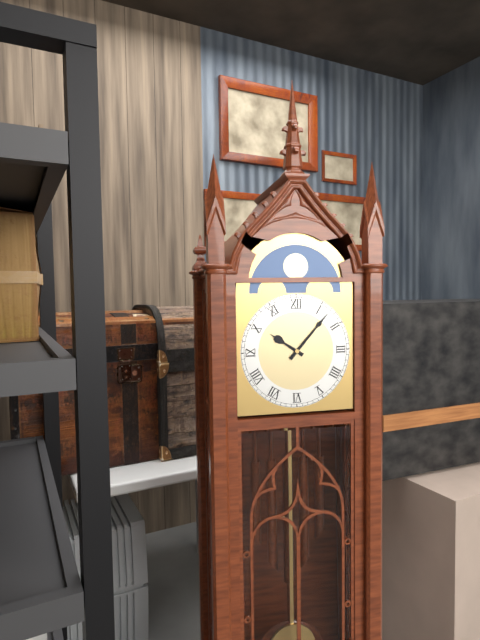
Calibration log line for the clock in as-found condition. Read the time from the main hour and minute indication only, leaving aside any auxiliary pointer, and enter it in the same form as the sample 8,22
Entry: 10,07
